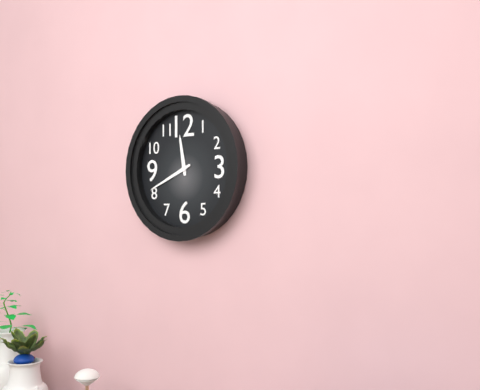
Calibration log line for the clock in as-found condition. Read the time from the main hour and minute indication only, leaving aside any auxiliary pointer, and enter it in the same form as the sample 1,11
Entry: 11,41
